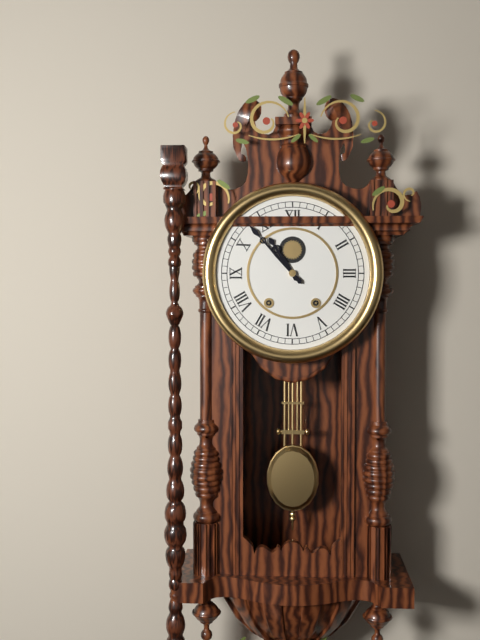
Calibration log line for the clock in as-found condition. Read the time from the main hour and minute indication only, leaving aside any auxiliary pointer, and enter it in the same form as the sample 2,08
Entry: 10,53
